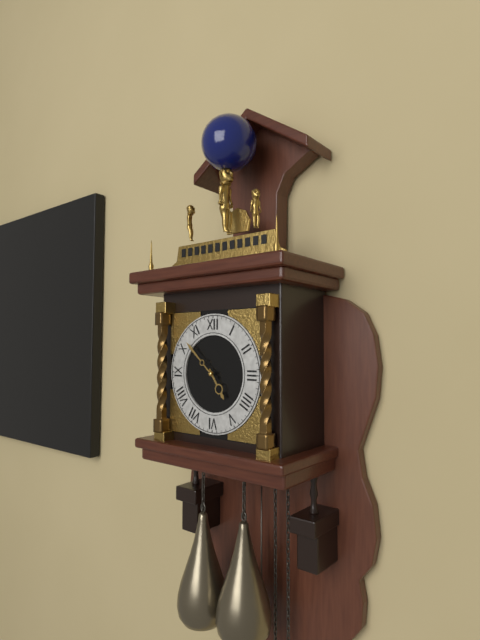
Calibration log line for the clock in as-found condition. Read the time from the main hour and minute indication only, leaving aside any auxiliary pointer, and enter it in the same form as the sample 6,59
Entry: 4,52
